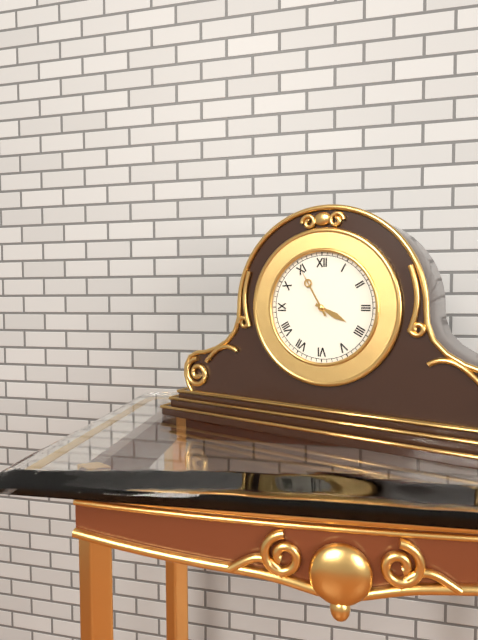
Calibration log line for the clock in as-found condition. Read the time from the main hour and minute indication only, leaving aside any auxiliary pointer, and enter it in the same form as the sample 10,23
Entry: 3,55
